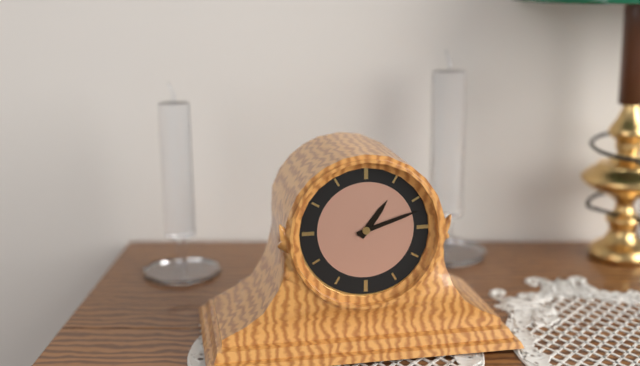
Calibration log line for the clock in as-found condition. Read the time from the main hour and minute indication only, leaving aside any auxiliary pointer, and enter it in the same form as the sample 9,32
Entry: 1,12
